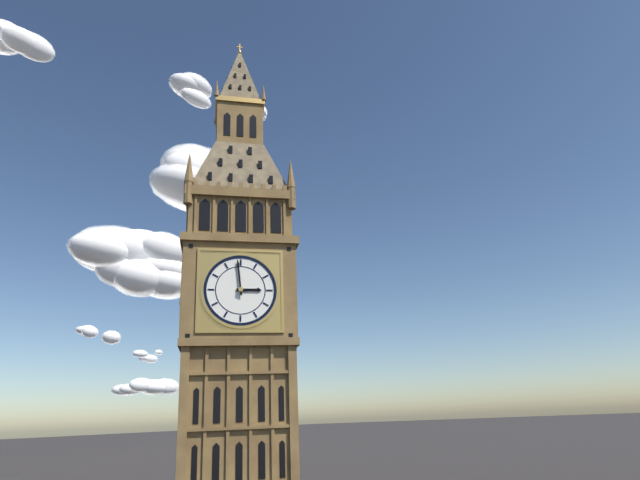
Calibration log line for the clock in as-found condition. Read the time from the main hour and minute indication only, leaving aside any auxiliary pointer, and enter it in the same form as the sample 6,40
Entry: 2,59
